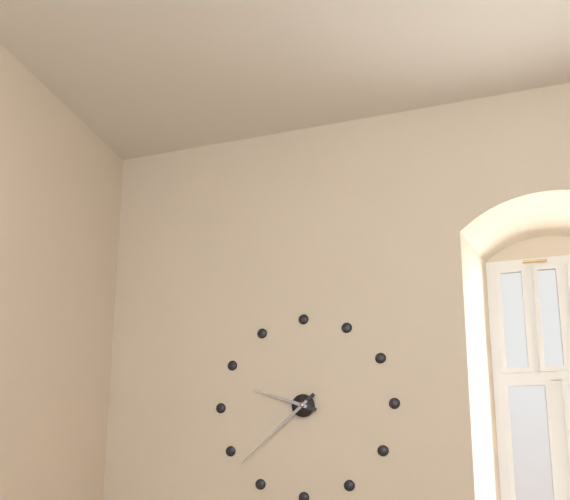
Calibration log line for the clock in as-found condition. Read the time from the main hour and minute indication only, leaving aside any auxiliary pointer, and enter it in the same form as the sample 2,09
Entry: 9,38
